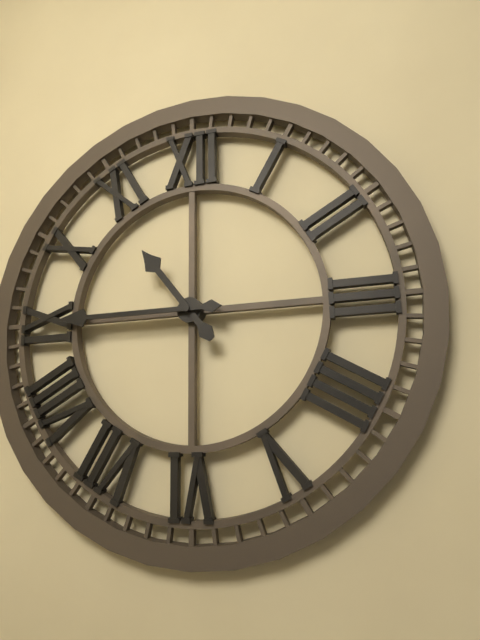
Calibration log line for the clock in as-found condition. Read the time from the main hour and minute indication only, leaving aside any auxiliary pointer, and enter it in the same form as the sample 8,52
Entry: 10,45
